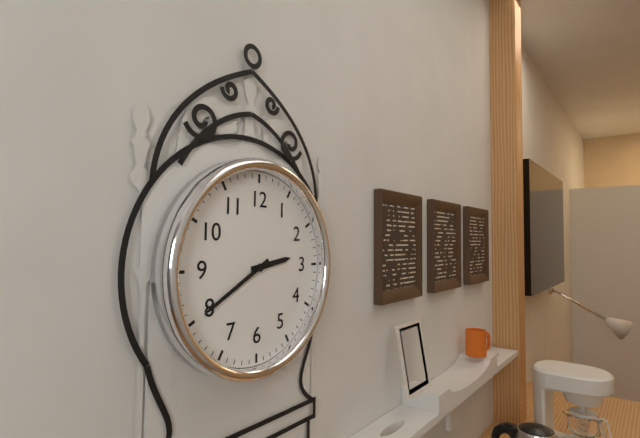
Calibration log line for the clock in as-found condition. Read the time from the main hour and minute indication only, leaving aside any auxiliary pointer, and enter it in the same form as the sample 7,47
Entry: 2,40
